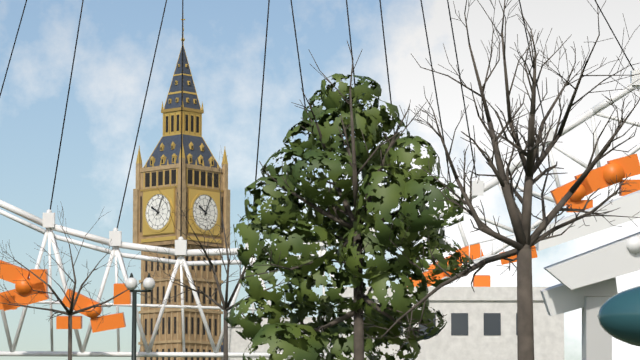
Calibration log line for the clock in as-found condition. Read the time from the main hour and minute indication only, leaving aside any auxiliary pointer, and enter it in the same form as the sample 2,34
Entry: 10,04
